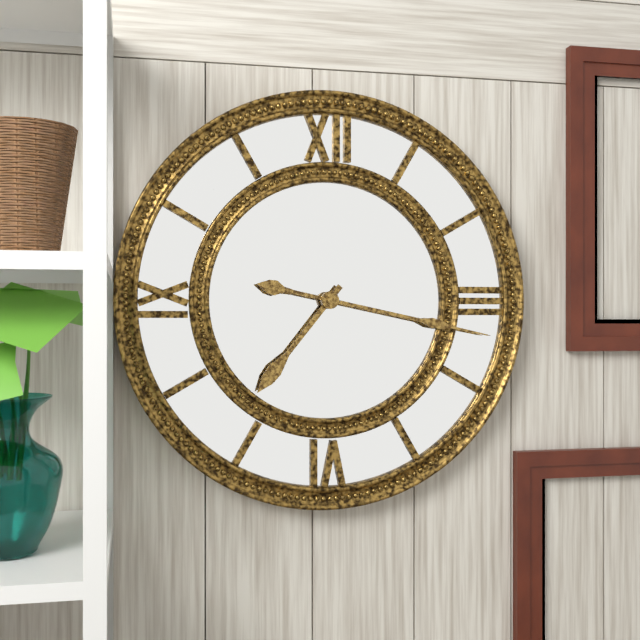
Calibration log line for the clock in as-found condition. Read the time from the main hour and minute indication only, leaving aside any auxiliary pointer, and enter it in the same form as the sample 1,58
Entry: 7,17
